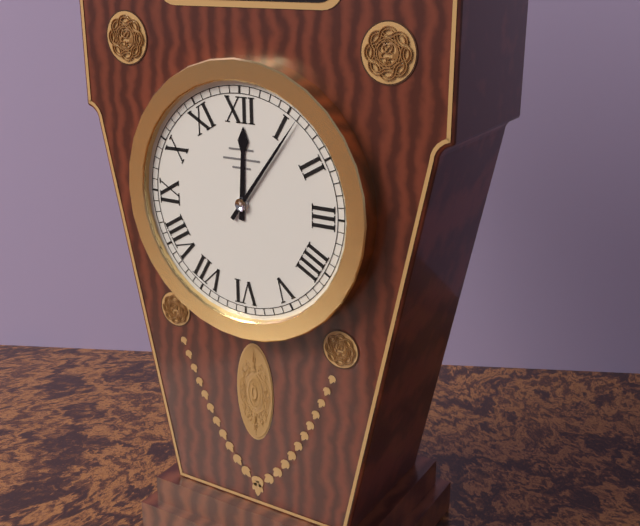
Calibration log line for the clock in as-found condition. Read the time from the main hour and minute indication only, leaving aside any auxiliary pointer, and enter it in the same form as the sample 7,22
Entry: 12,06
